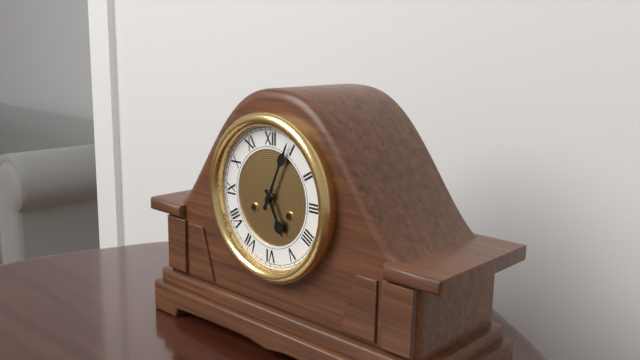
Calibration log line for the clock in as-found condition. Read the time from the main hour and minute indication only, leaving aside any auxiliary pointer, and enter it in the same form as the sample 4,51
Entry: 5,04
